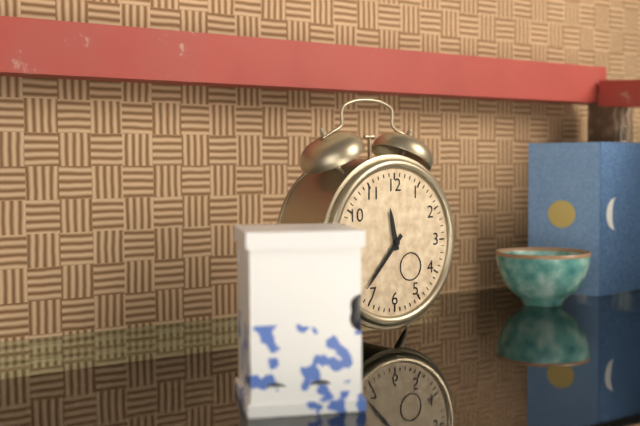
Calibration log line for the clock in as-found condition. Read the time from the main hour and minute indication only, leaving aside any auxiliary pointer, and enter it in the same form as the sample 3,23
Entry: 11,37
